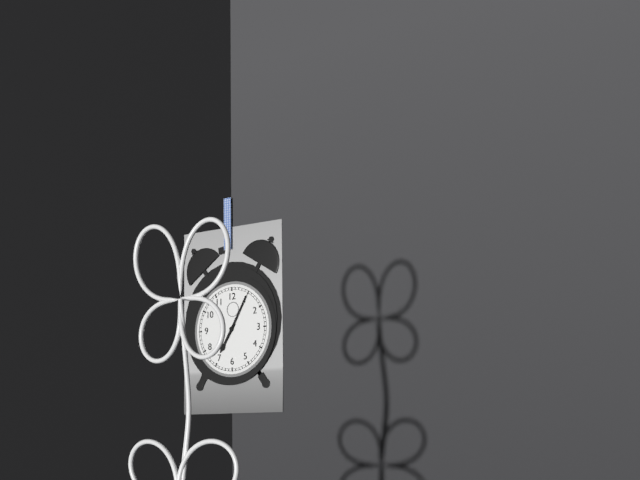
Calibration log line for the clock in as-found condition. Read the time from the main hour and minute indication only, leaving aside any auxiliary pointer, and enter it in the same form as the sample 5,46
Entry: 7,05
